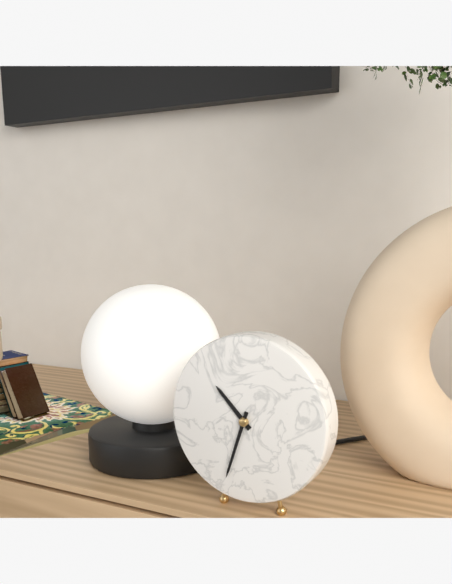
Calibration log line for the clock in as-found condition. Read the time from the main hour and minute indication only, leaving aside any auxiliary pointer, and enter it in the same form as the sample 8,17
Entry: 10,33
